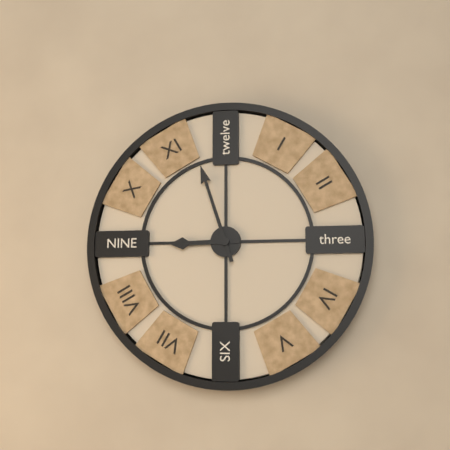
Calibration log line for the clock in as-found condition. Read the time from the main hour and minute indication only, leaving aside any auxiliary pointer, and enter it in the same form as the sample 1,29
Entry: 8,57
